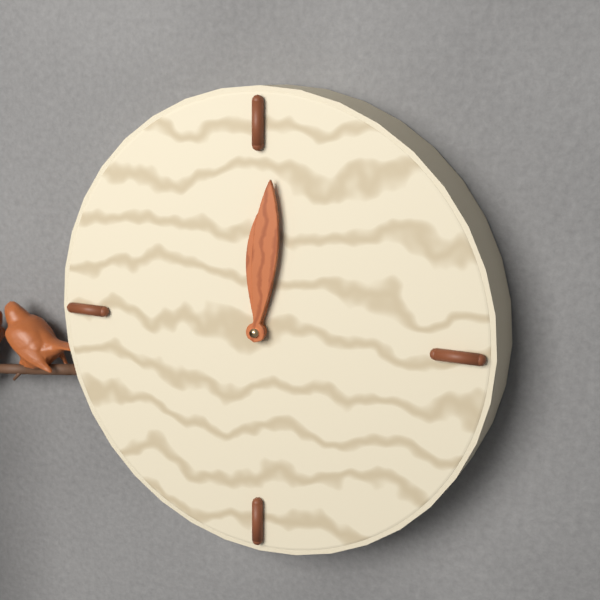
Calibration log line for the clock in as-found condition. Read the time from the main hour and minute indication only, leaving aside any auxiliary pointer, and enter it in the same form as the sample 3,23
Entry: 12,01
